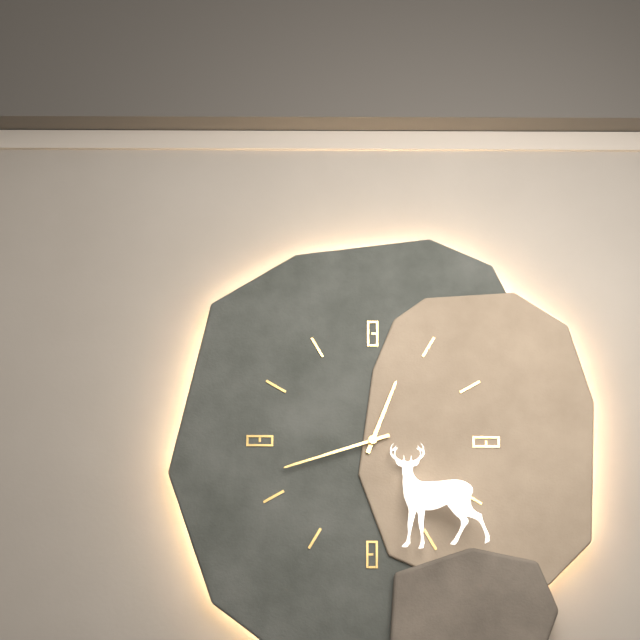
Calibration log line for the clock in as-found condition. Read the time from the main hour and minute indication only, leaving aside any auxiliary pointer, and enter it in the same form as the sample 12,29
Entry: 12,42
